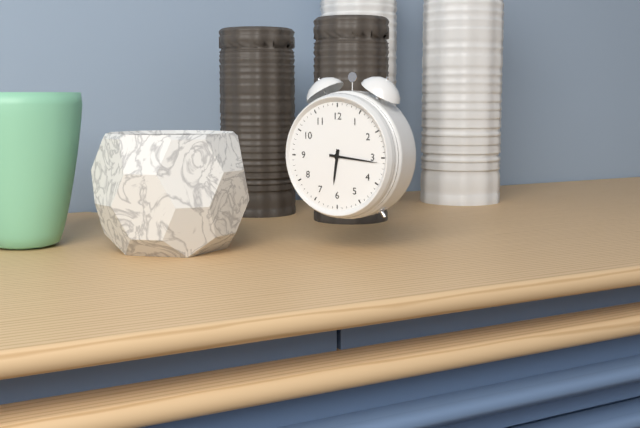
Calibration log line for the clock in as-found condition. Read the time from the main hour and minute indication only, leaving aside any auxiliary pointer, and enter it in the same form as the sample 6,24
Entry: 6,16
